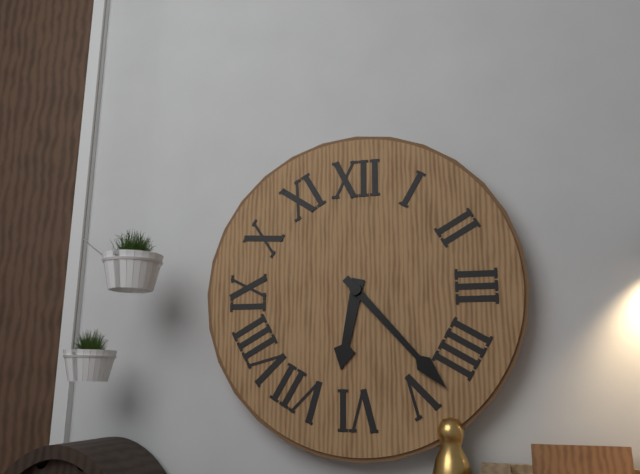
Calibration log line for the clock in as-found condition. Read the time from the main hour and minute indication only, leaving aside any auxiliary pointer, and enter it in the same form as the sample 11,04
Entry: 6,23
